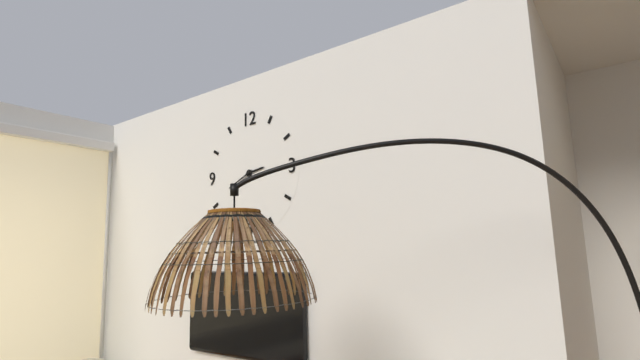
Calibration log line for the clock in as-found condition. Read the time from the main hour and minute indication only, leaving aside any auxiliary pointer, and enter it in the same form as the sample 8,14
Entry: 2,41
